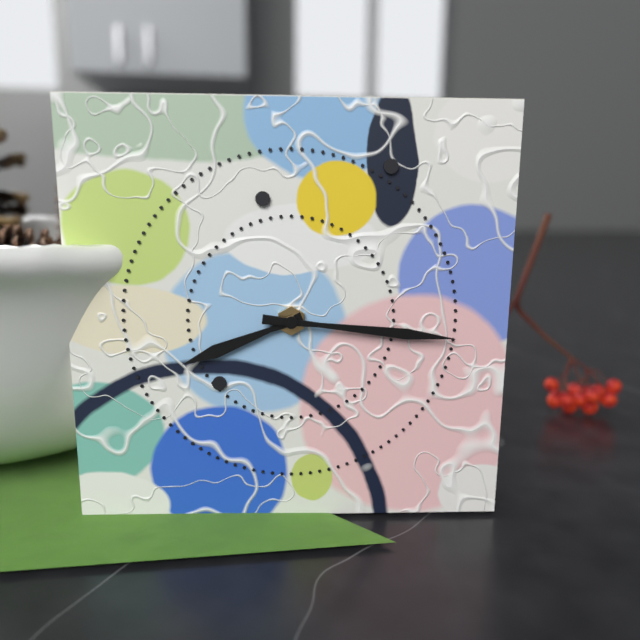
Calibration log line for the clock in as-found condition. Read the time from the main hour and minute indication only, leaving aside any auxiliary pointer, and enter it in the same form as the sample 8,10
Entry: 8,16
